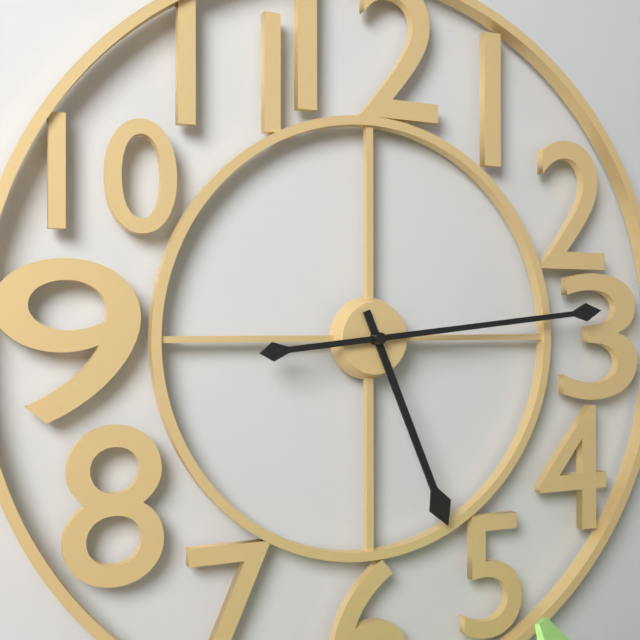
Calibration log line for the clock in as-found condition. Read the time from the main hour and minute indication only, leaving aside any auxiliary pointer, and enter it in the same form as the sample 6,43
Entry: 5,14
